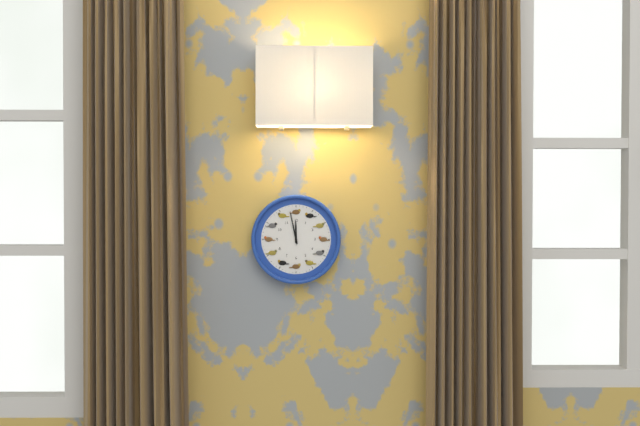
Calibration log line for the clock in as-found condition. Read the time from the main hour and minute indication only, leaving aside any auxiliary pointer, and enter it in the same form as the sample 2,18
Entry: 11,58
